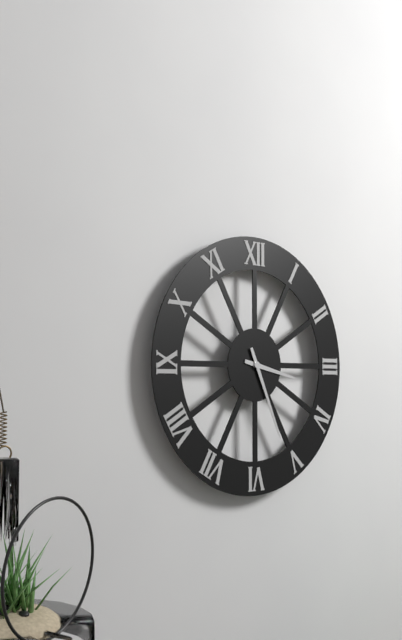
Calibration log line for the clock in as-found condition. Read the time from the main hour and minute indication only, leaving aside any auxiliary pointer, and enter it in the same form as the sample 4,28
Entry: 3,26
